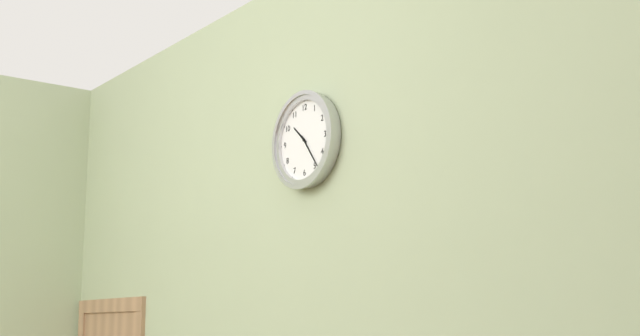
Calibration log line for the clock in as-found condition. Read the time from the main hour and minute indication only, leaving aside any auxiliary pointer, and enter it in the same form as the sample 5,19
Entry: 10,24
